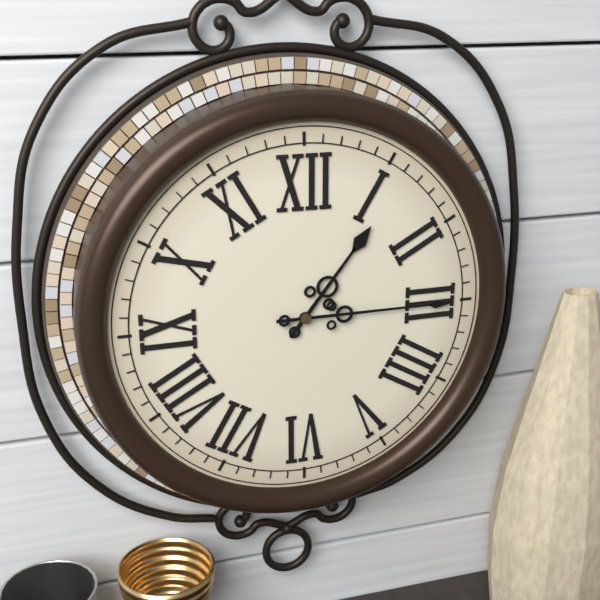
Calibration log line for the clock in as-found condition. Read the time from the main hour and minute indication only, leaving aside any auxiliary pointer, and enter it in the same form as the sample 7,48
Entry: 1,15
